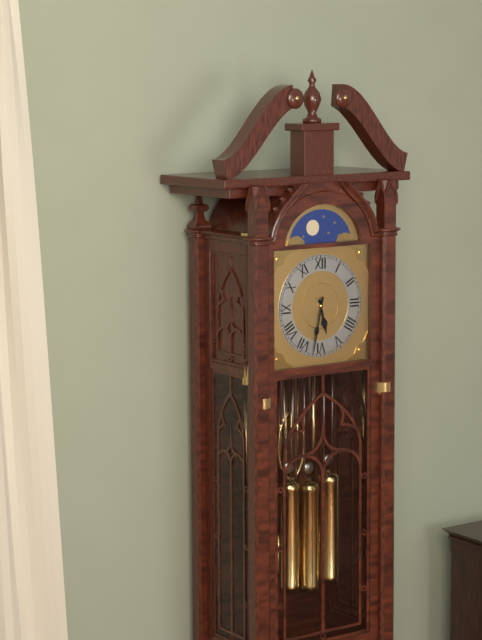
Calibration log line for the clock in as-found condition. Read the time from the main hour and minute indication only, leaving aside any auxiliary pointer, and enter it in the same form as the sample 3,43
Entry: 5,32
